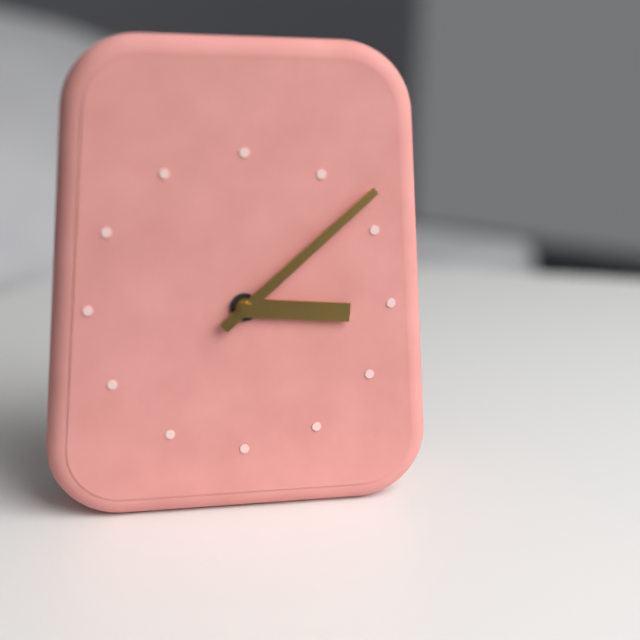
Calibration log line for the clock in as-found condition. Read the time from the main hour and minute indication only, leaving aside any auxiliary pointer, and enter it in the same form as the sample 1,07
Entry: 3,08
